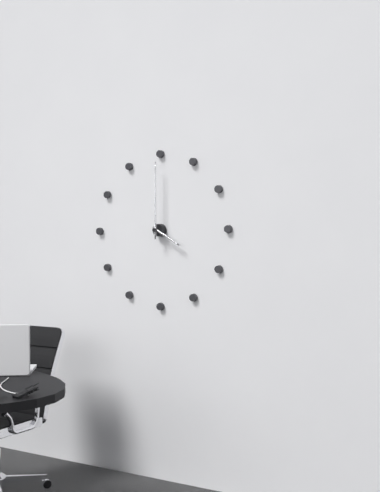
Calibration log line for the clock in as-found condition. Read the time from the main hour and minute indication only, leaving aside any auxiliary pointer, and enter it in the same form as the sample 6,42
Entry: 4,00
